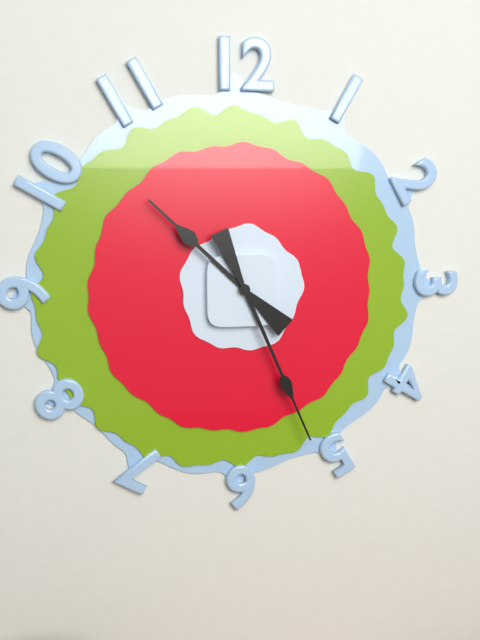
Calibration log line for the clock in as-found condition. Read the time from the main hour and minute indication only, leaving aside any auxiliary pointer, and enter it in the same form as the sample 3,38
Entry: 10,26
